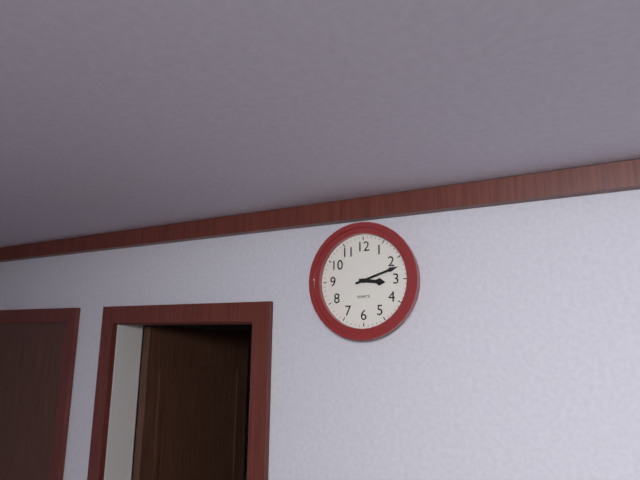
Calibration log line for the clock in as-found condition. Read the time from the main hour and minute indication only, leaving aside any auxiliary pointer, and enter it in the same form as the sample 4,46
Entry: 3,12
